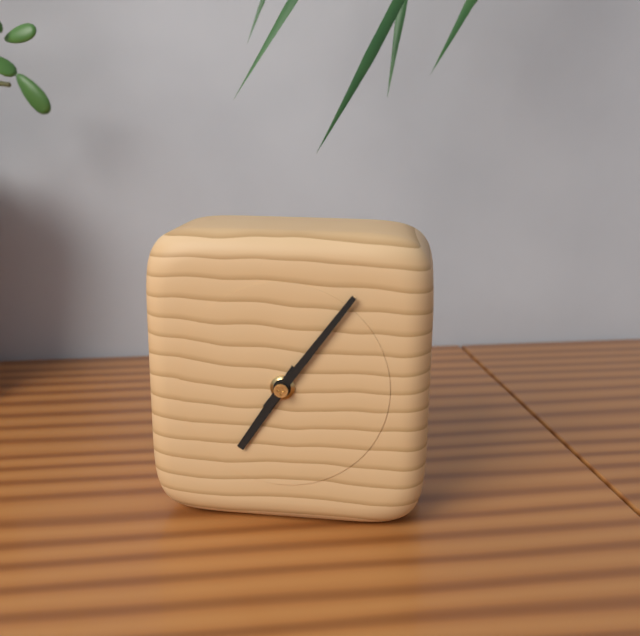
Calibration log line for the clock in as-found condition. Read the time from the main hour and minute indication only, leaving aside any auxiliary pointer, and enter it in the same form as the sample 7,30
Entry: 7,06
